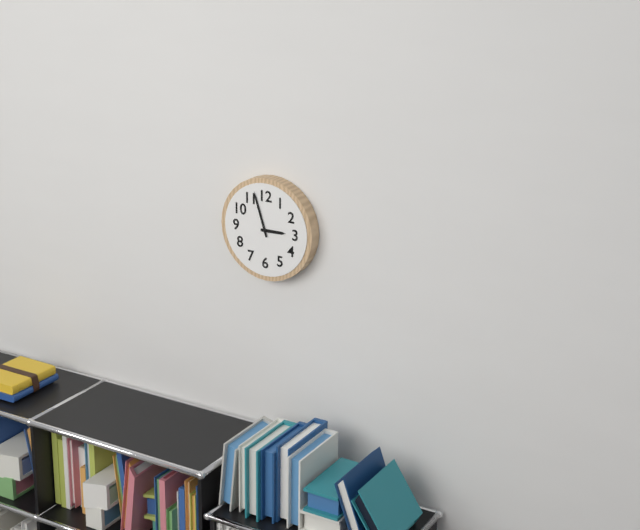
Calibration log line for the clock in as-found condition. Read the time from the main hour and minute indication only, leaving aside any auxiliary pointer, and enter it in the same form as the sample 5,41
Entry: 2,57
